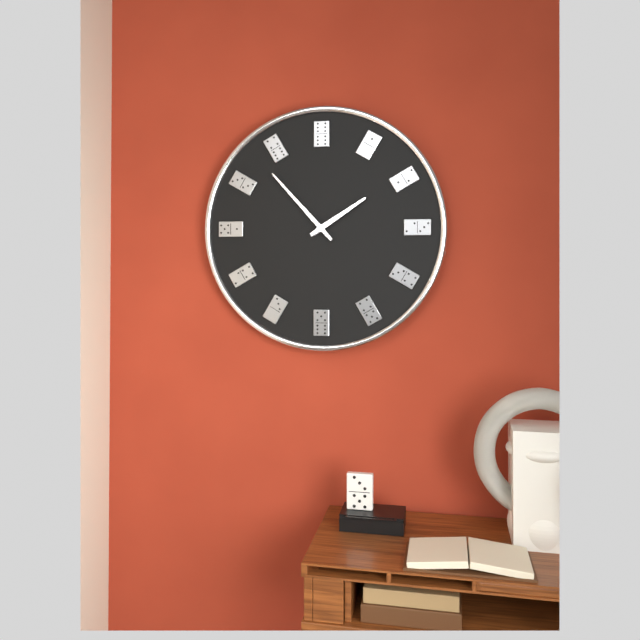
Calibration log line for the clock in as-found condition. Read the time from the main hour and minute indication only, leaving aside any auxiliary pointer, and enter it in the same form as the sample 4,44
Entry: 1,53
